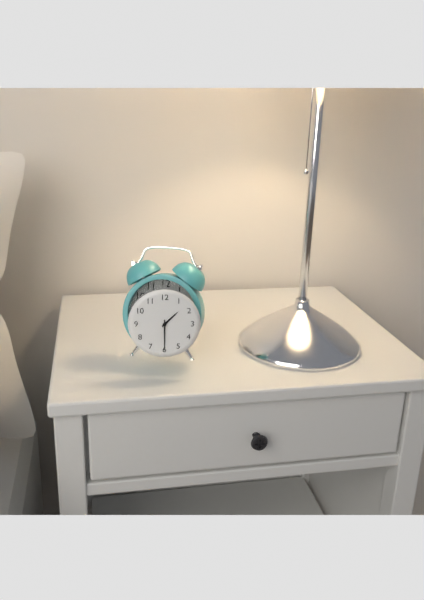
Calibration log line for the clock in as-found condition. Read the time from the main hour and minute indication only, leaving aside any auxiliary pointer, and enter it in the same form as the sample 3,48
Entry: 1,30
